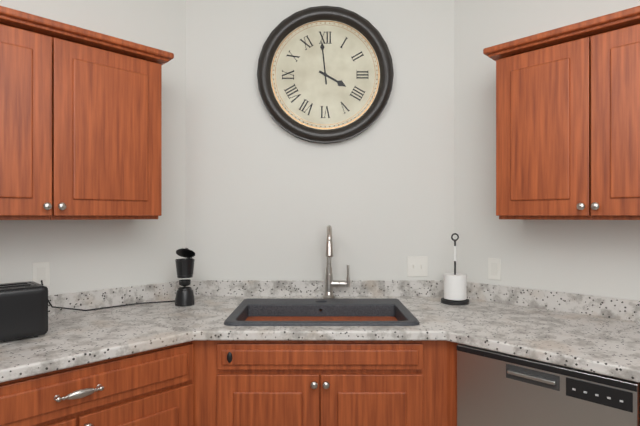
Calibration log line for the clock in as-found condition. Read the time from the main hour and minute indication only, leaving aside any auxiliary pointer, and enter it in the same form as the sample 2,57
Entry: 3,59
